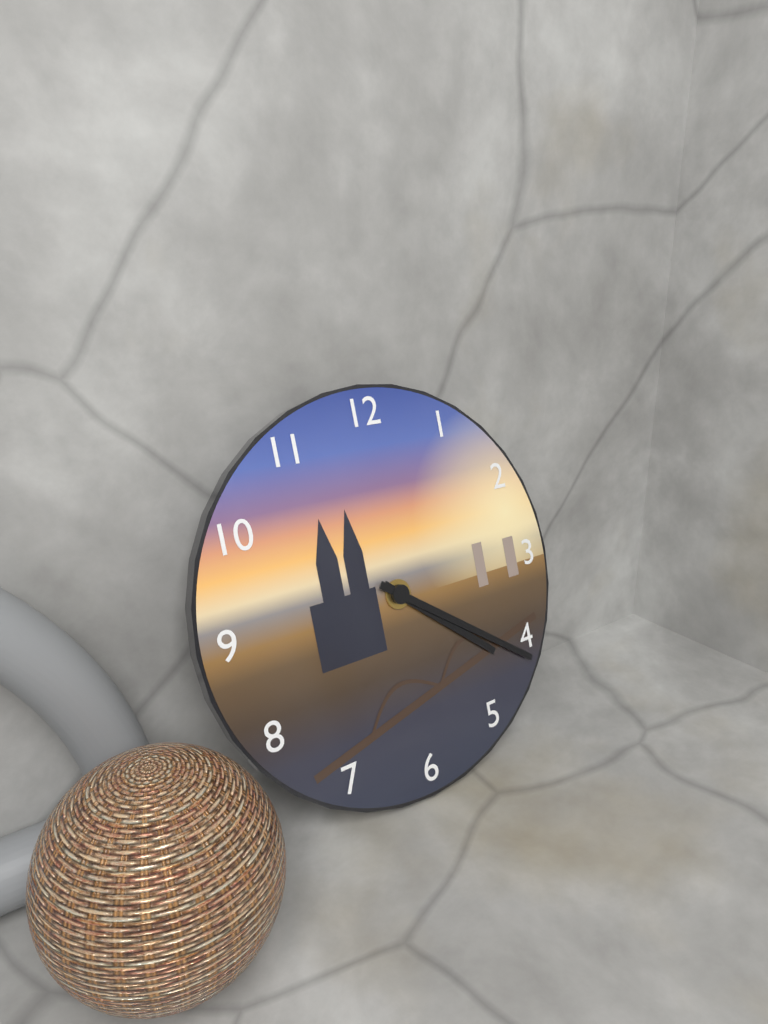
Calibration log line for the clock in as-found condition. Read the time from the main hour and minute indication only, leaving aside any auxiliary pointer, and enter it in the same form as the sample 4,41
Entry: 4,21
